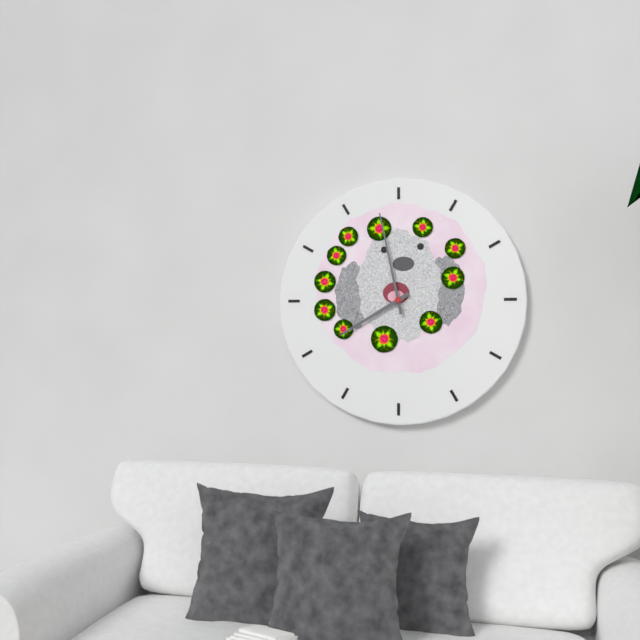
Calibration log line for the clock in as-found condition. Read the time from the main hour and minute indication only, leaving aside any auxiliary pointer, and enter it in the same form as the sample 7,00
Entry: 7,58
